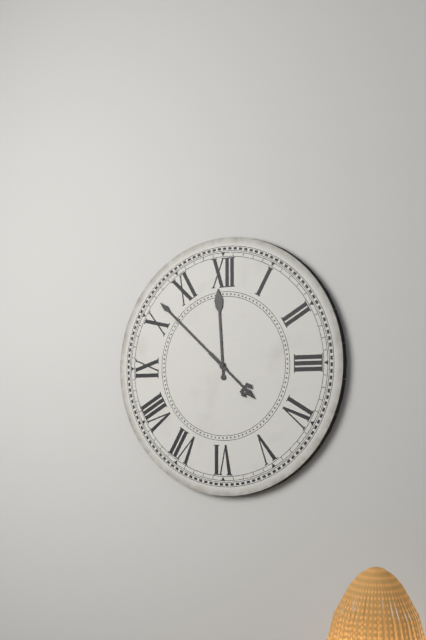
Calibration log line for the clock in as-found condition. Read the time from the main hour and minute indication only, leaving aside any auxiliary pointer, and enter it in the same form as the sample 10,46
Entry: 11,52
